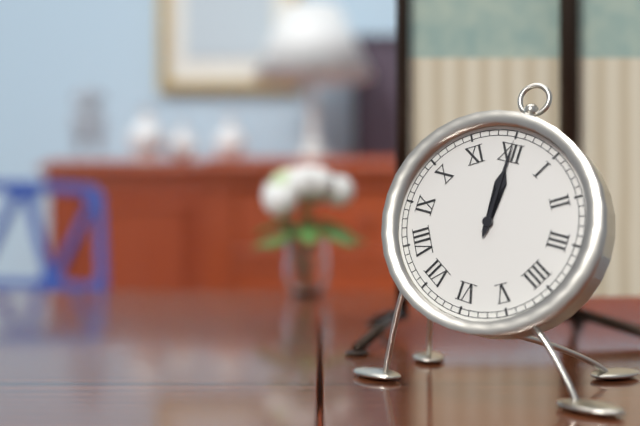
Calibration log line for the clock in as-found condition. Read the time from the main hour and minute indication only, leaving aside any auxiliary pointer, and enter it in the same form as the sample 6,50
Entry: 12,00
